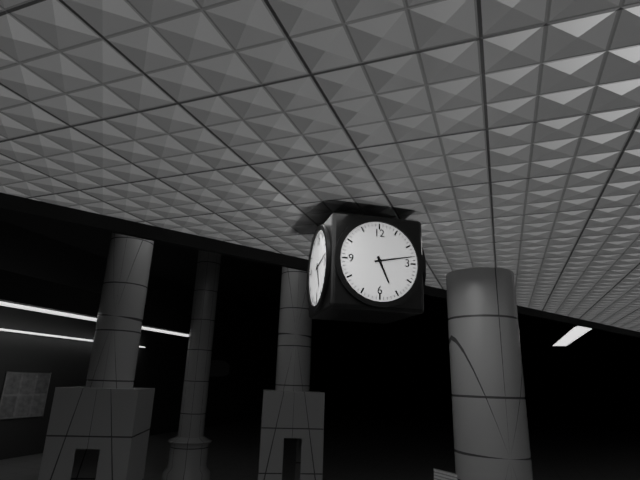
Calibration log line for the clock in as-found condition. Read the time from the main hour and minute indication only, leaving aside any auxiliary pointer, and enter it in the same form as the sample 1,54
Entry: 5,13
